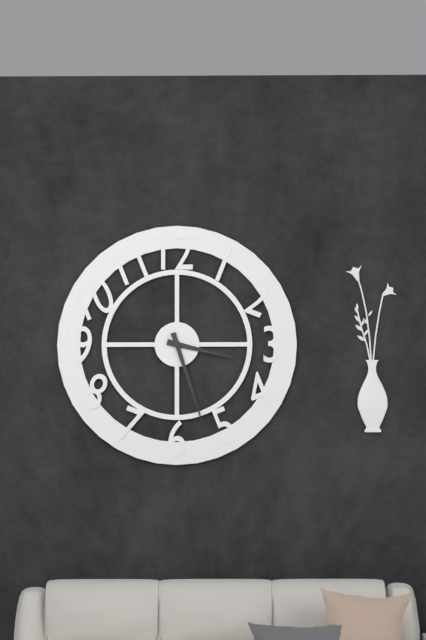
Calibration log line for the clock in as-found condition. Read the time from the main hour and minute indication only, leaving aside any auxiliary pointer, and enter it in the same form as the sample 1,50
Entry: 3,27
